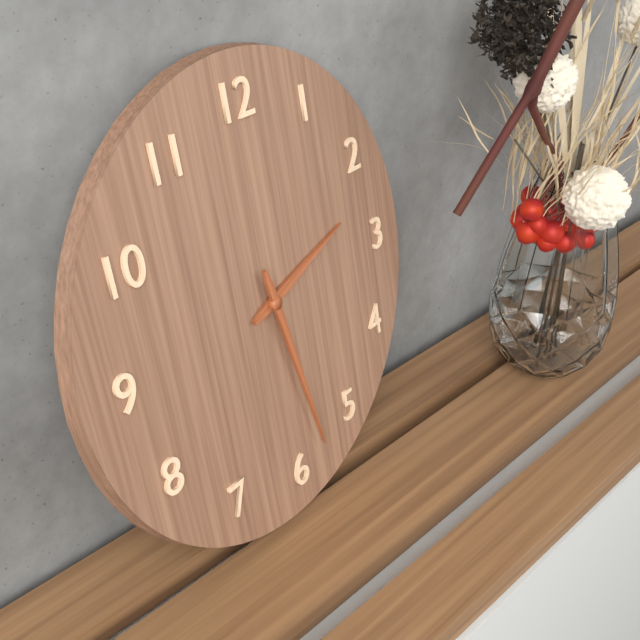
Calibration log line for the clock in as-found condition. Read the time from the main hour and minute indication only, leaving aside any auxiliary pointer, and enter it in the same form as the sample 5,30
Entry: 2,28
